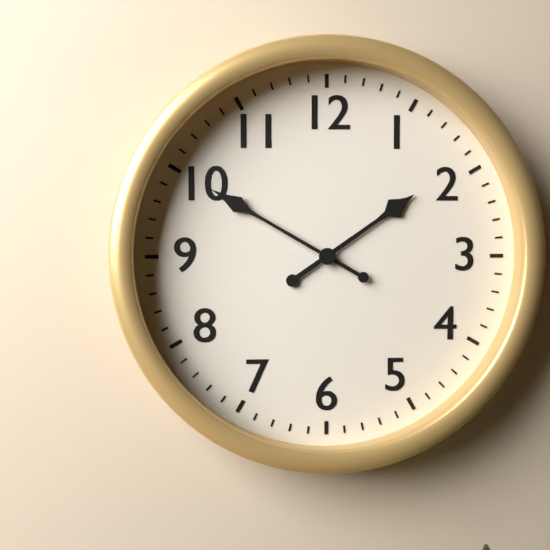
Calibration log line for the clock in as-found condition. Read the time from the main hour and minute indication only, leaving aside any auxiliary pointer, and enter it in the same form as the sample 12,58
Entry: 1,50
